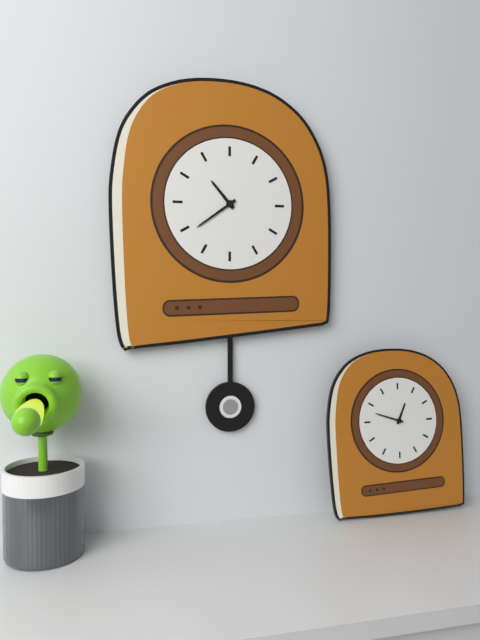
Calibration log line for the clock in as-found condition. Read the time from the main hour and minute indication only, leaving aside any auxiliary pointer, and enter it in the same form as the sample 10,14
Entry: 10,39
